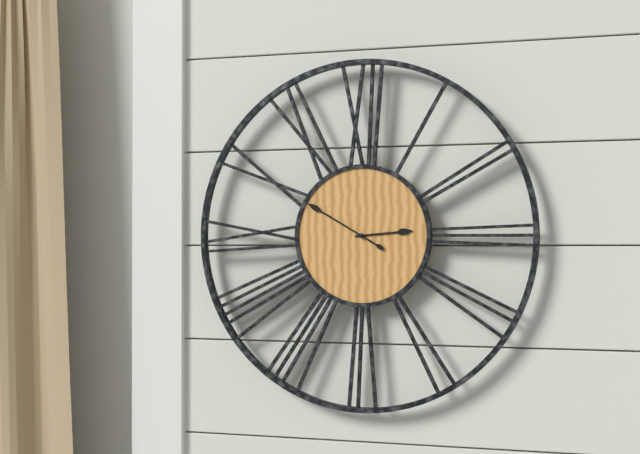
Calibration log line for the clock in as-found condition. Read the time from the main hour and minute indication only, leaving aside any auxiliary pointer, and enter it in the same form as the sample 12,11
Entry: 2,50
